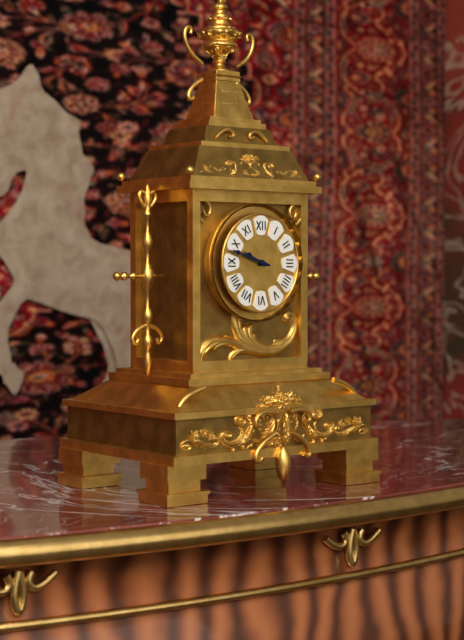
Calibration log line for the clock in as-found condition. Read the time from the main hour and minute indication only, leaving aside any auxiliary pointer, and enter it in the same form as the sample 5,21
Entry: 9,48
